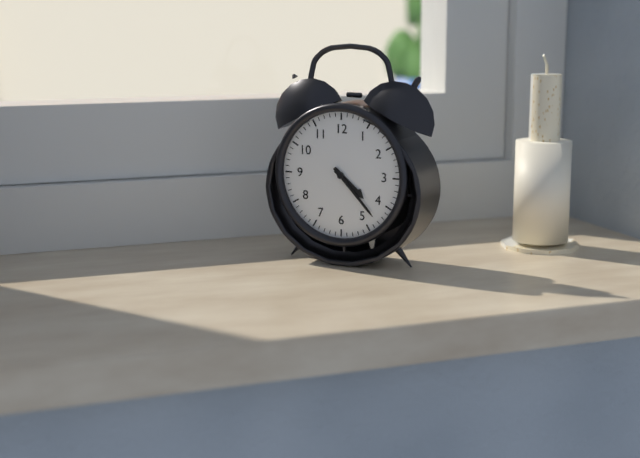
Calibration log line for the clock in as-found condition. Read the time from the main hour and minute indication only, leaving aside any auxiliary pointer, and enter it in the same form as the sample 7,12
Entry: 4,23
